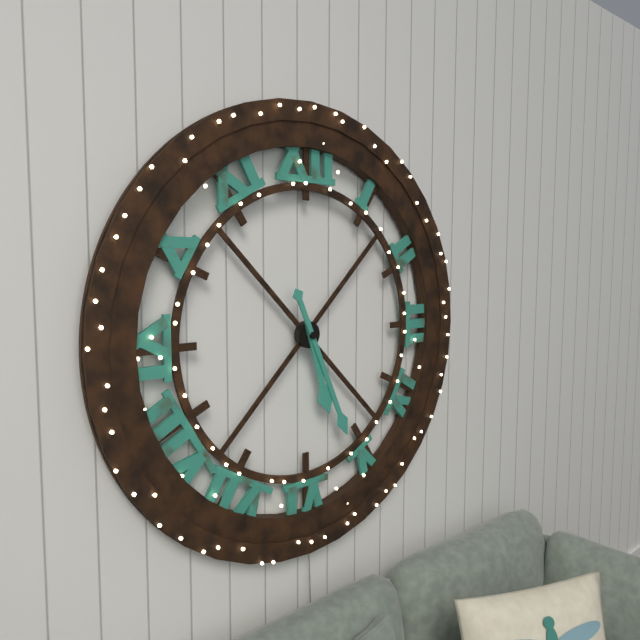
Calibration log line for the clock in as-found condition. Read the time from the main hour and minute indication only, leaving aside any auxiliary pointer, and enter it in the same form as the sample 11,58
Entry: 5,26
